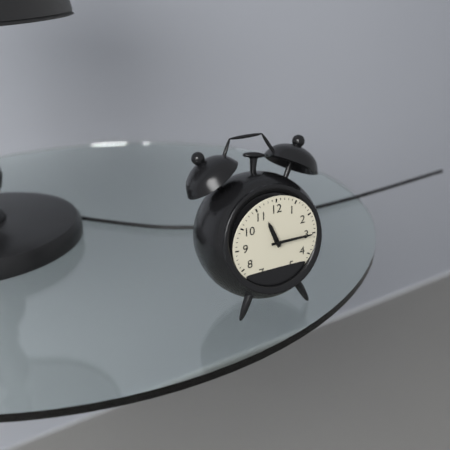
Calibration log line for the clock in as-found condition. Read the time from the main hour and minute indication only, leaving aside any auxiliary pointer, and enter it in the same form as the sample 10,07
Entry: 11,15
